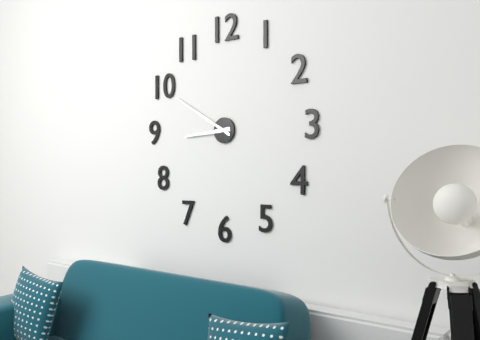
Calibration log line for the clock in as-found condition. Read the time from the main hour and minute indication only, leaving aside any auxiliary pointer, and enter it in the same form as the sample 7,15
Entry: 8,50
